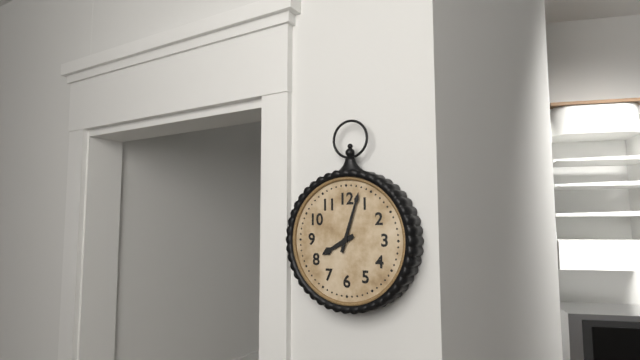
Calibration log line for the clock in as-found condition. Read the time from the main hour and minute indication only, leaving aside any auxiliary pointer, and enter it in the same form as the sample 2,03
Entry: 8,03
